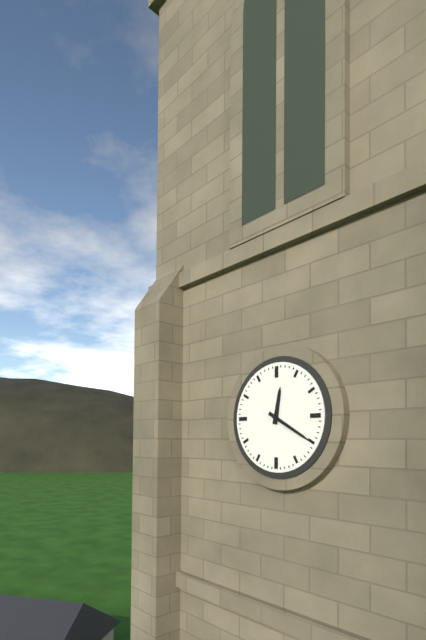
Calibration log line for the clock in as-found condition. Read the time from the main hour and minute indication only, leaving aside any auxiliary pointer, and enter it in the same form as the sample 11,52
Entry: 12,20
